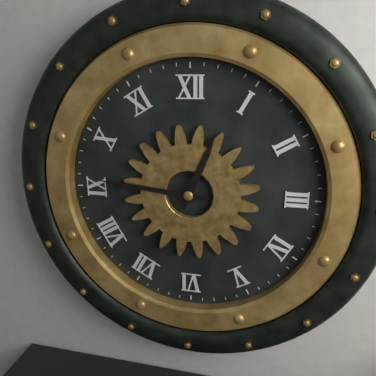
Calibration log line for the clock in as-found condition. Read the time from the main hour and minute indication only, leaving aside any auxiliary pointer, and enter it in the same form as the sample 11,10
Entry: 12,46
